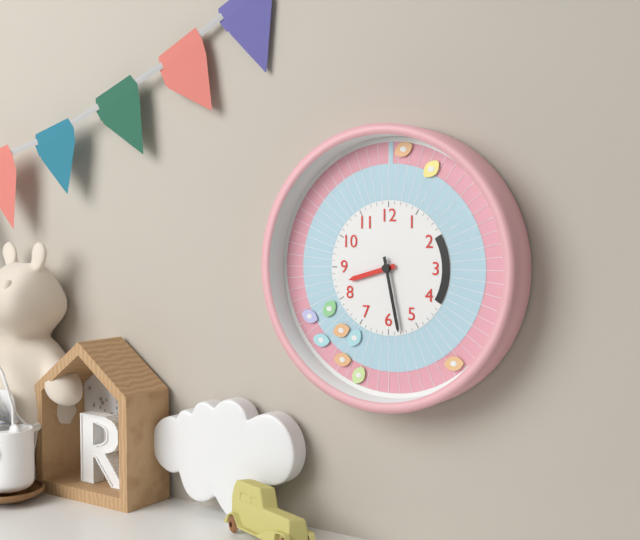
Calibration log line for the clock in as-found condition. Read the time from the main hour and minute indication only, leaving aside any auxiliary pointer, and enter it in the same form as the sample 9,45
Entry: 8,28
